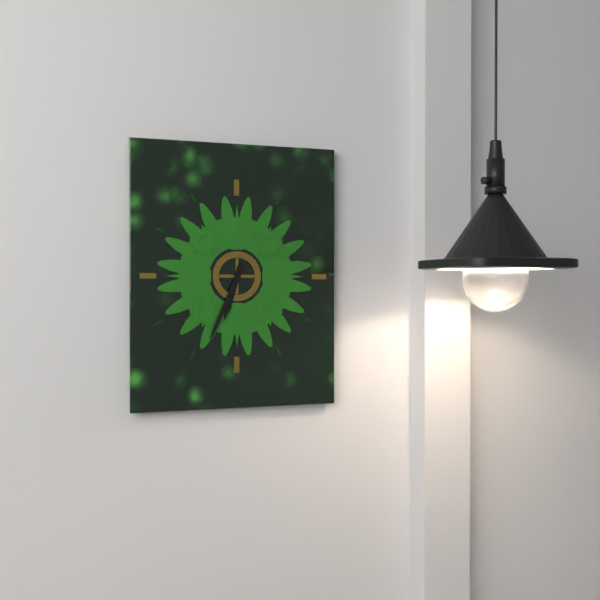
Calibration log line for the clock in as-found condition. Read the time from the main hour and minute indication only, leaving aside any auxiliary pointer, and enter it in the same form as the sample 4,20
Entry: 6,34
